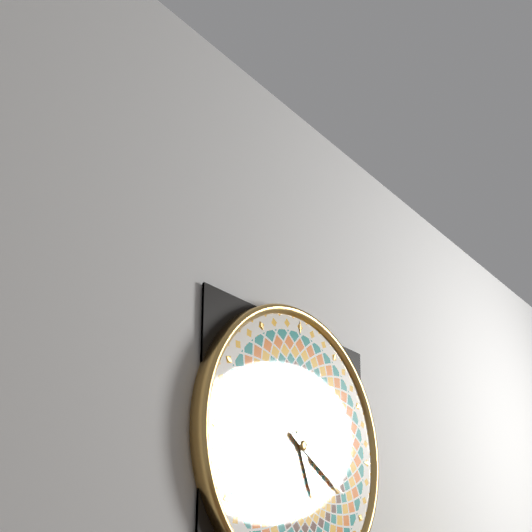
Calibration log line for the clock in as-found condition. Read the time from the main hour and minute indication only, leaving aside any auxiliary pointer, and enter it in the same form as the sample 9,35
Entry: 5,20
